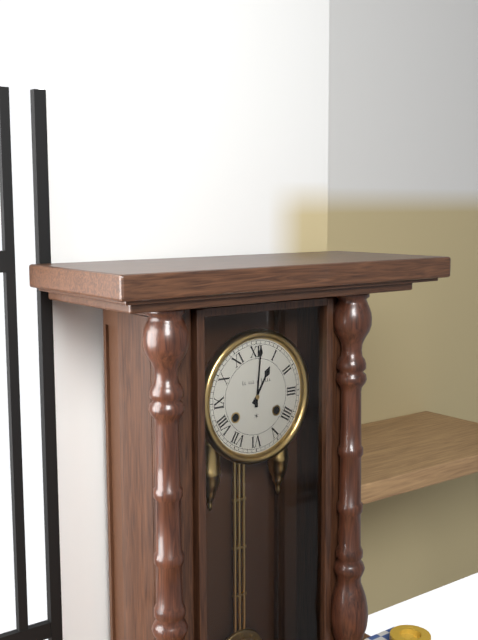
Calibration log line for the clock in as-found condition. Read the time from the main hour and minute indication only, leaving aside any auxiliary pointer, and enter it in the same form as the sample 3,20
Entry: 1,01
